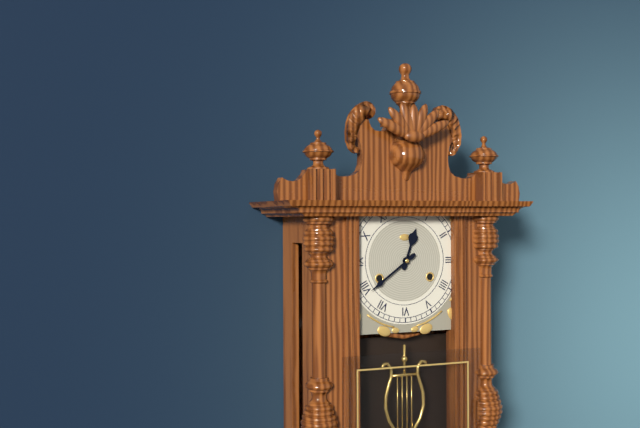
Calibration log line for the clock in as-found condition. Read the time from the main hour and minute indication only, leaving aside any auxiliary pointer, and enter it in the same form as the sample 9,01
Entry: 12,39
